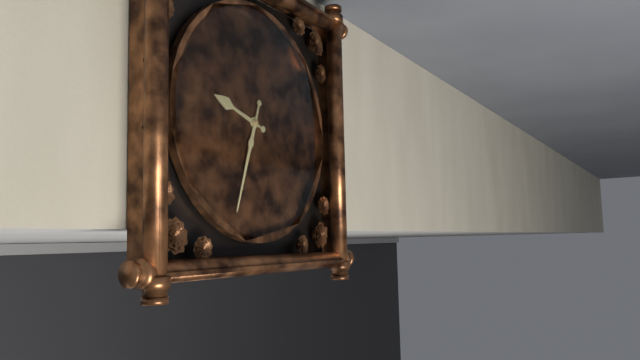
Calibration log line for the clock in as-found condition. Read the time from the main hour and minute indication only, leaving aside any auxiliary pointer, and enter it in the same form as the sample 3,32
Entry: 9,33
